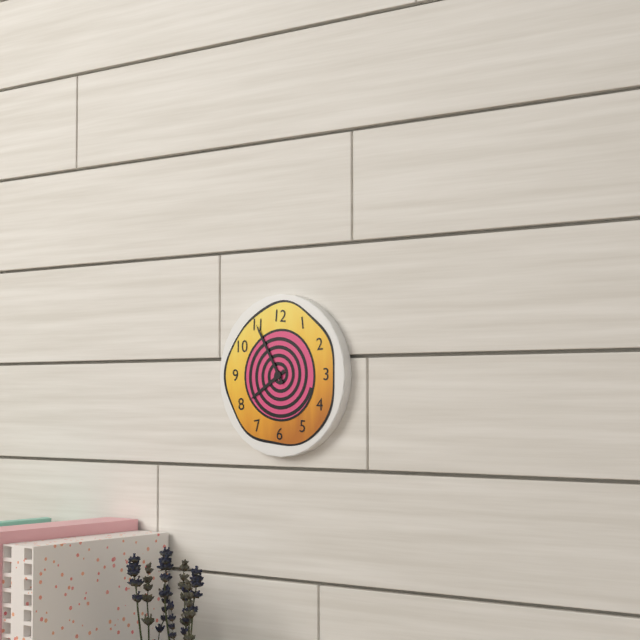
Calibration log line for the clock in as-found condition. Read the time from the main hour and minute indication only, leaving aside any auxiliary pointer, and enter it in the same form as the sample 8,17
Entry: 7,55
